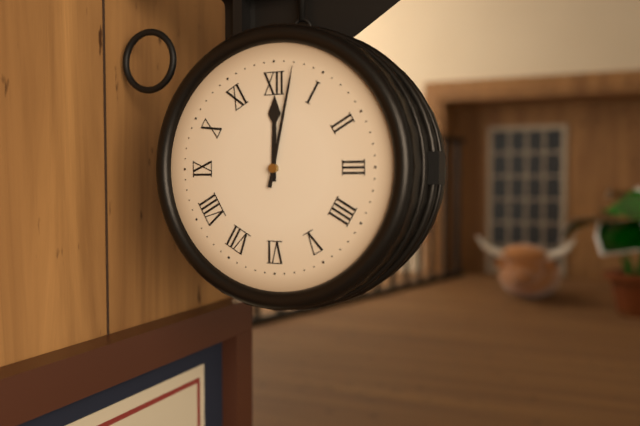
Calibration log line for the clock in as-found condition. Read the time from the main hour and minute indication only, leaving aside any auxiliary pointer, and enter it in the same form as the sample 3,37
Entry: 12,02
